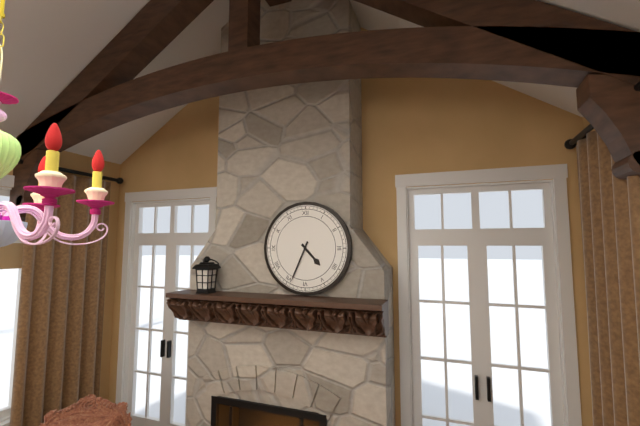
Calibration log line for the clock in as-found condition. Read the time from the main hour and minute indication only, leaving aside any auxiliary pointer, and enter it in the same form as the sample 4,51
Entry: 4,34
